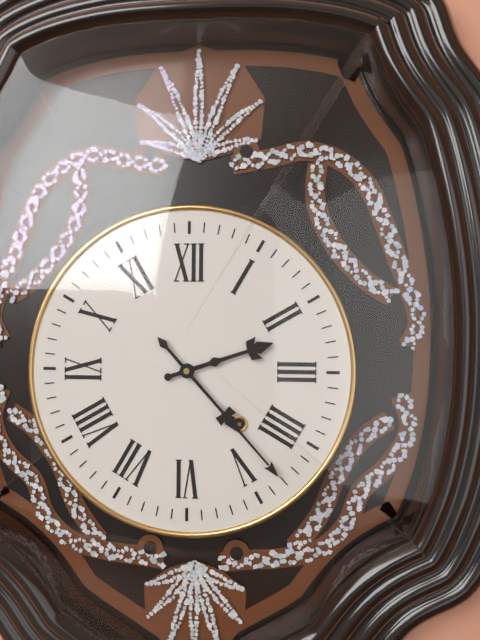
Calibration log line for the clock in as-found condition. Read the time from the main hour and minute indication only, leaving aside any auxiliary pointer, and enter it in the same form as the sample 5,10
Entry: 2,23
